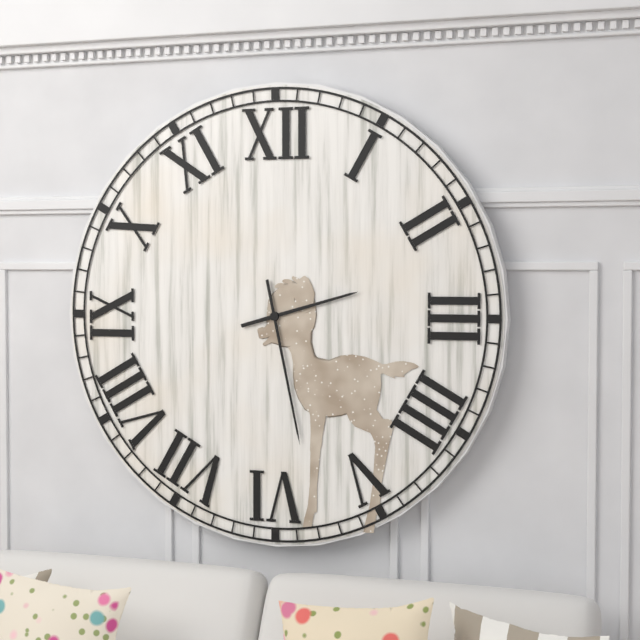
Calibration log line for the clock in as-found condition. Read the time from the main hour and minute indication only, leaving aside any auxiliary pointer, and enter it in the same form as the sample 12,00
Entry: 2,28
